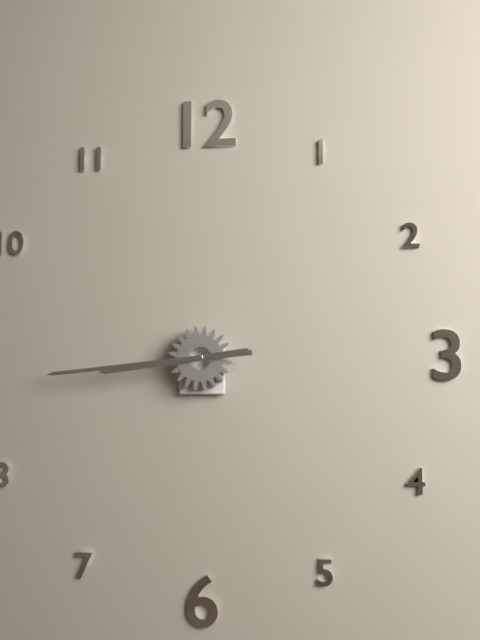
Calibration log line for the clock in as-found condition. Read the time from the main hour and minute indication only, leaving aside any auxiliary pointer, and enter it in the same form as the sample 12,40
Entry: 8,44
